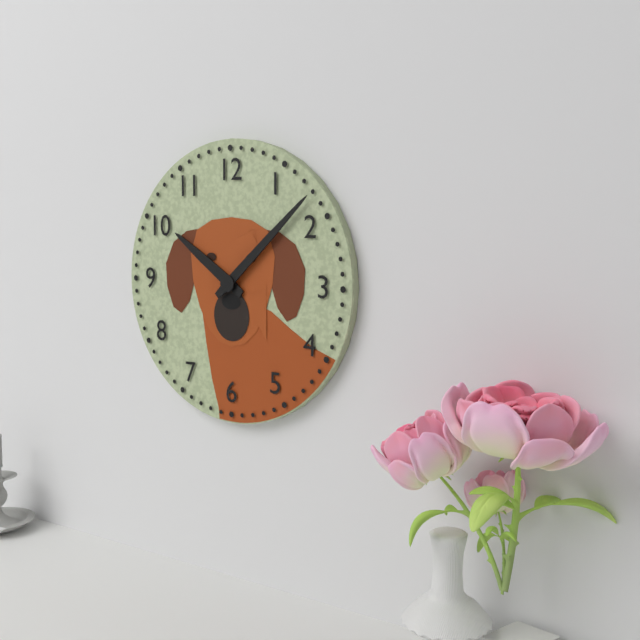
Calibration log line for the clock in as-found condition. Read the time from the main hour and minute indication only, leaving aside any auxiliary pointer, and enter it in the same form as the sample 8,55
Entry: 10,08
